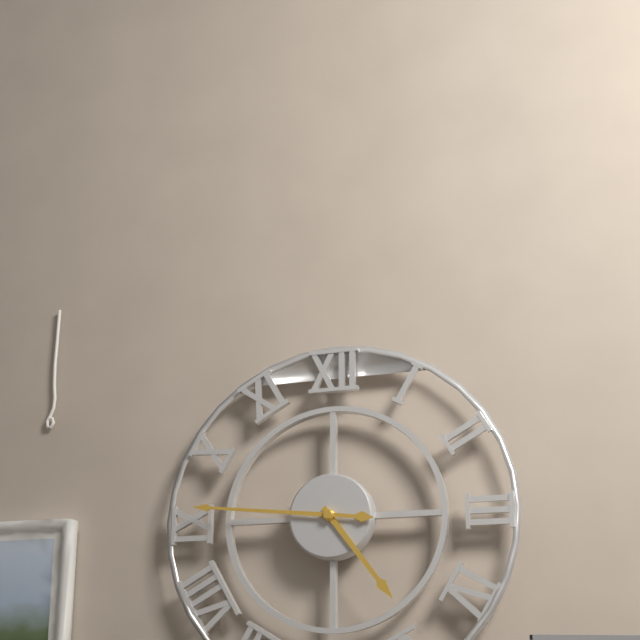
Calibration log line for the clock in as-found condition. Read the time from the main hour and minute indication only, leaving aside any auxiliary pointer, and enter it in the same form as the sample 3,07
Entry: 4,46
